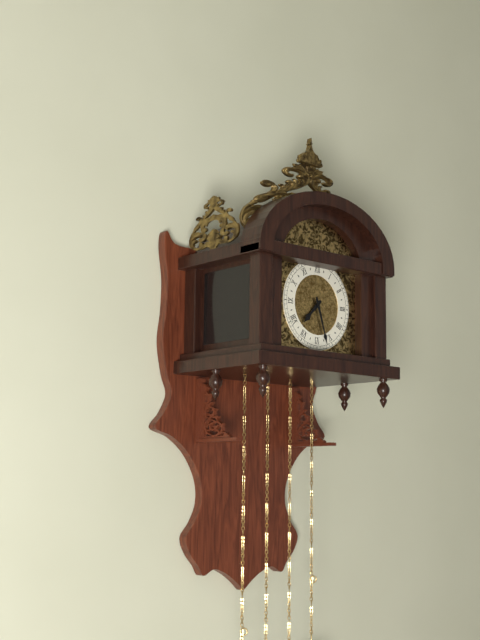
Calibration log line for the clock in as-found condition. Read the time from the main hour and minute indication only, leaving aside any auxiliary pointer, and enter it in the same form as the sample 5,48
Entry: 7,27
